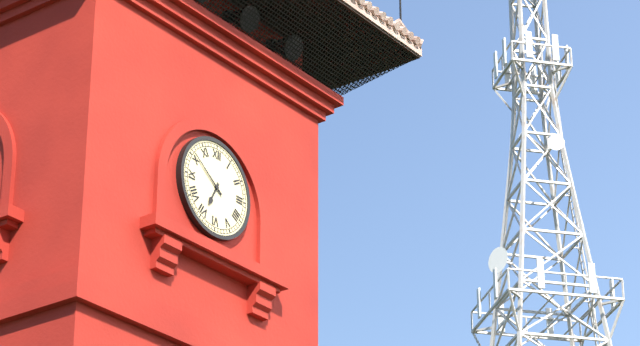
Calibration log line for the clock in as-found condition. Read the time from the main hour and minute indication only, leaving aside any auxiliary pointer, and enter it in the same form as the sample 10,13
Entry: 6,51
